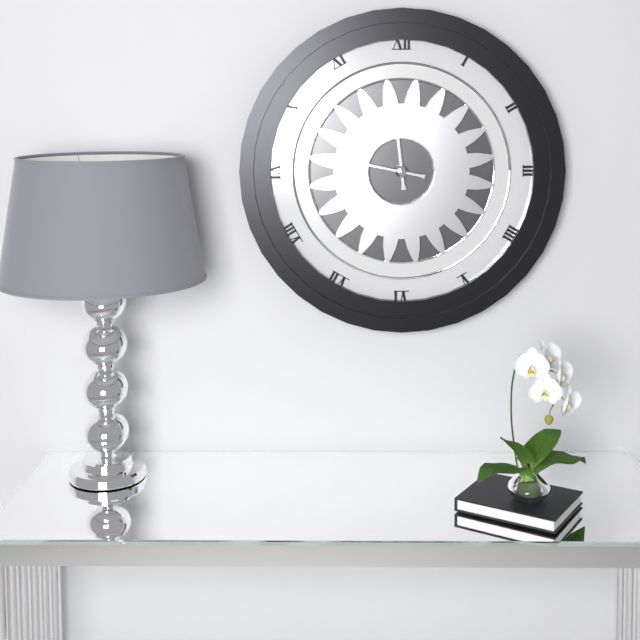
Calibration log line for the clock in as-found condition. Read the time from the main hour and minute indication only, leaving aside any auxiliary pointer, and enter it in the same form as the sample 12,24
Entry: 11,47
